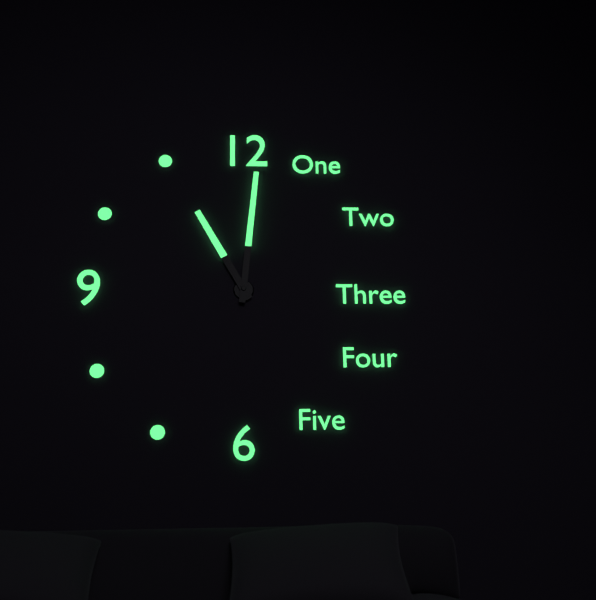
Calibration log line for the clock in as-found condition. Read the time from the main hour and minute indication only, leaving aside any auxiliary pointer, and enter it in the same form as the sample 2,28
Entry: 11,01
